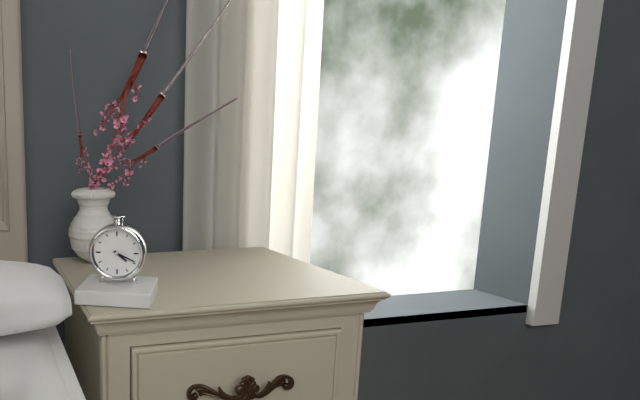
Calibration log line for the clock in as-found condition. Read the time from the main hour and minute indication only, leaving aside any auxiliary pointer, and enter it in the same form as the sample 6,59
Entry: 4,19
